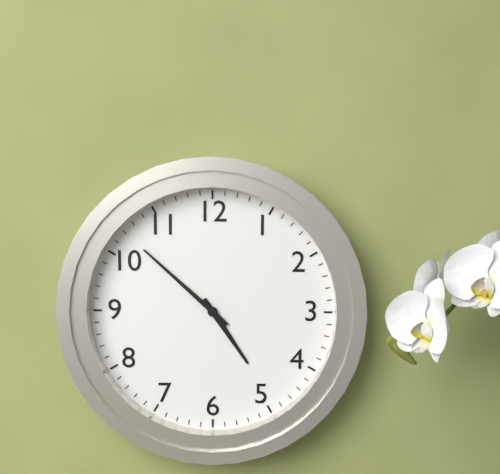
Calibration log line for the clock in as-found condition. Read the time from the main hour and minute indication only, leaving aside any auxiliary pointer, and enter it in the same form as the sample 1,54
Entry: 4,52
